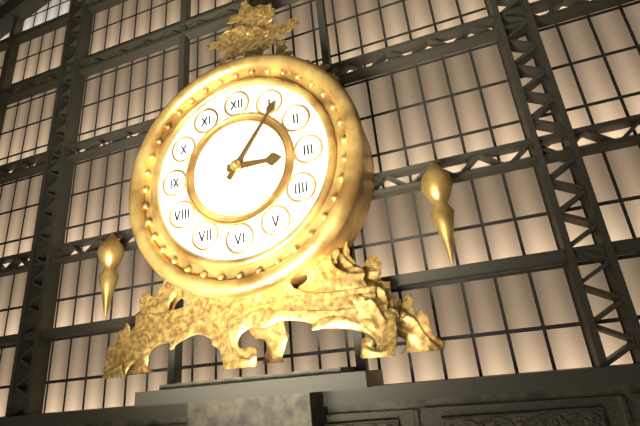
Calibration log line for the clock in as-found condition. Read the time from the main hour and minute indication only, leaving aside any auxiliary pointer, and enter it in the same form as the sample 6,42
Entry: 3,06
